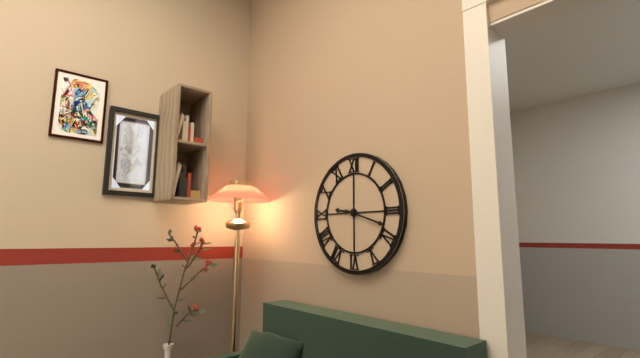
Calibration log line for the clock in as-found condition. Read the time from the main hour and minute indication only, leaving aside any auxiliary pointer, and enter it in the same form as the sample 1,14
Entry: 9,18
